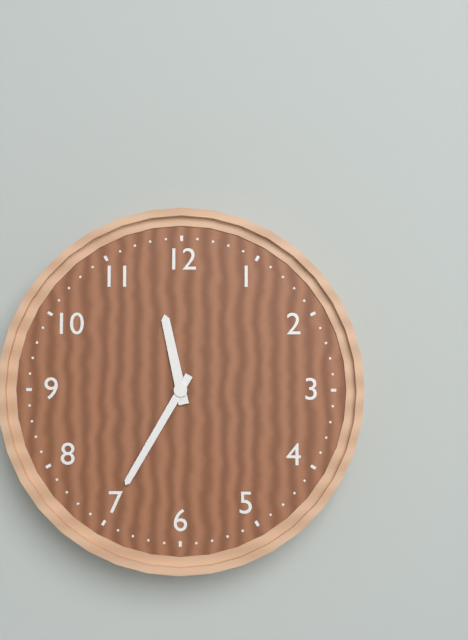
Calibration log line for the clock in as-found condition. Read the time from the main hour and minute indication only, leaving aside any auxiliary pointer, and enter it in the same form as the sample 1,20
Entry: 11,35
